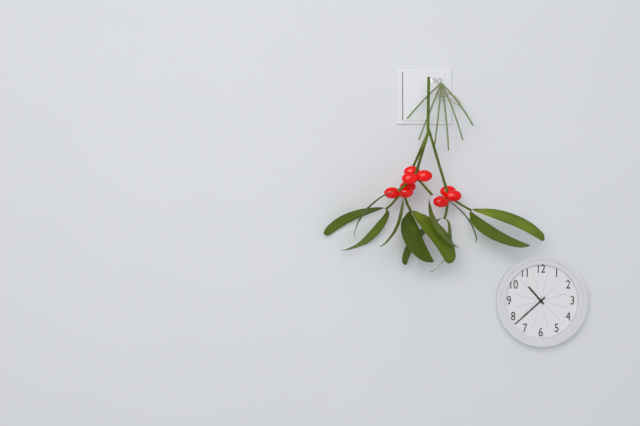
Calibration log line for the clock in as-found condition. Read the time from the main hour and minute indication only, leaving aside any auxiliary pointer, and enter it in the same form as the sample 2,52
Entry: 10,38
